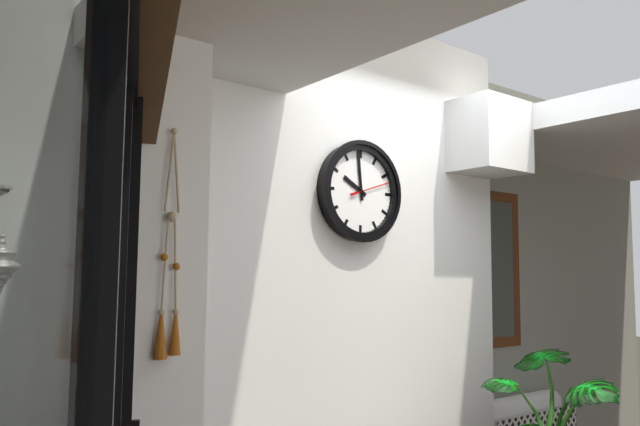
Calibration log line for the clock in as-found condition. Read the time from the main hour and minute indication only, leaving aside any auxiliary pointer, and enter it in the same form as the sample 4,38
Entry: 9,59
